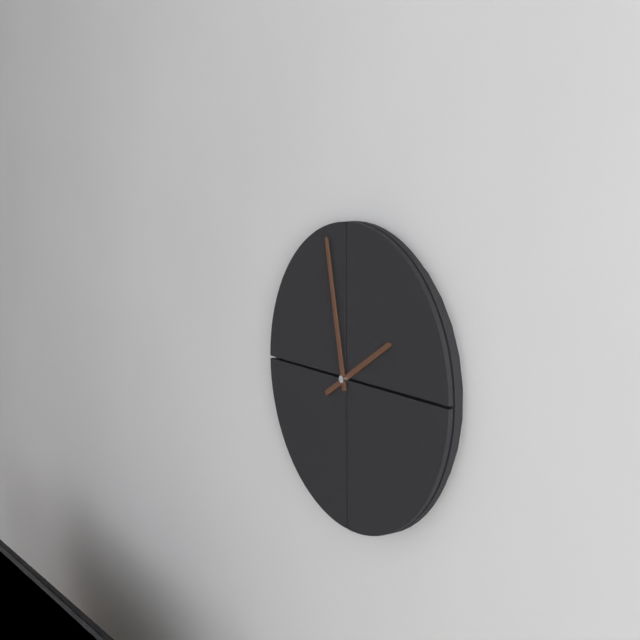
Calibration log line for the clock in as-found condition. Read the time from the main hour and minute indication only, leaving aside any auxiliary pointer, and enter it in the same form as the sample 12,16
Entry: 1,58
